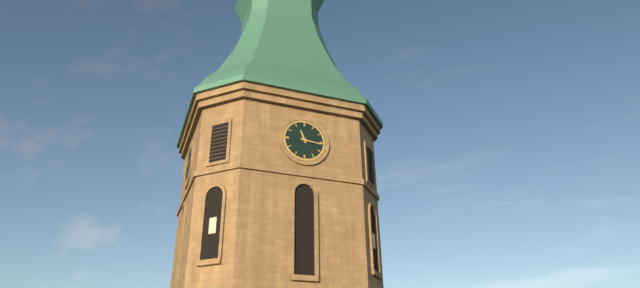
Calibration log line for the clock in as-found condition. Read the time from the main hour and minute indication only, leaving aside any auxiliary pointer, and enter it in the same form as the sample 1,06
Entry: 11,16
